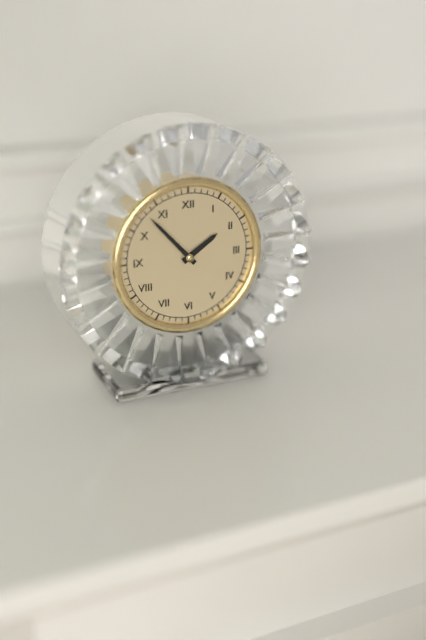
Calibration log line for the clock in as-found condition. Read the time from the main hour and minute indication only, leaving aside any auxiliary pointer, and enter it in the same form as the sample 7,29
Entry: 1,53
